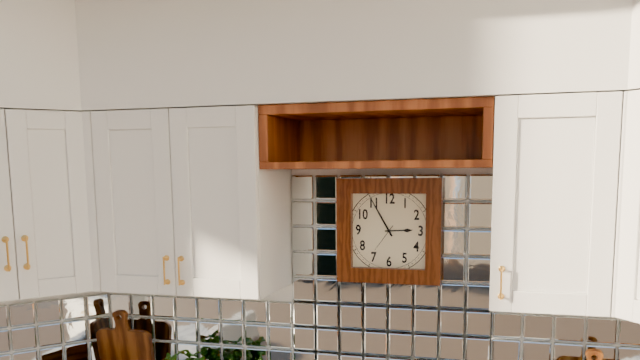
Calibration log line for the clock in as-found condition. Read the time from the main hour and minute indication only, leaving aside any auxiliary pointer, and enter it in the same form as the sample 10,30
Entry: 2,55
